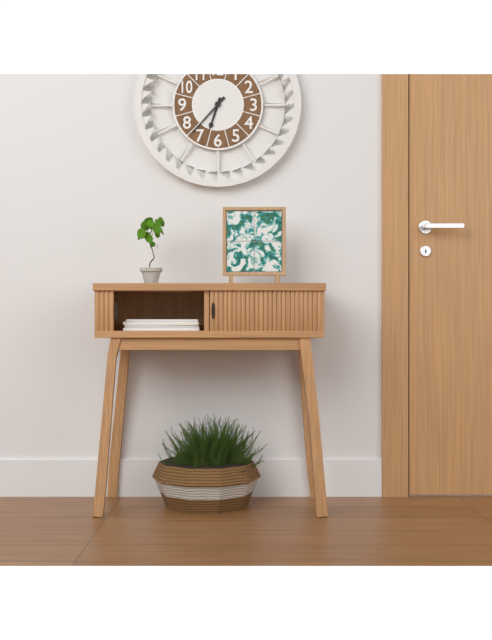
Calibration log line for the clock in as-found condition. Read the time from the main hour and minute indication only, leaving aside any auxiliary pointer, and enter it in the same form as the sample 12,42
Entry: 6,37
